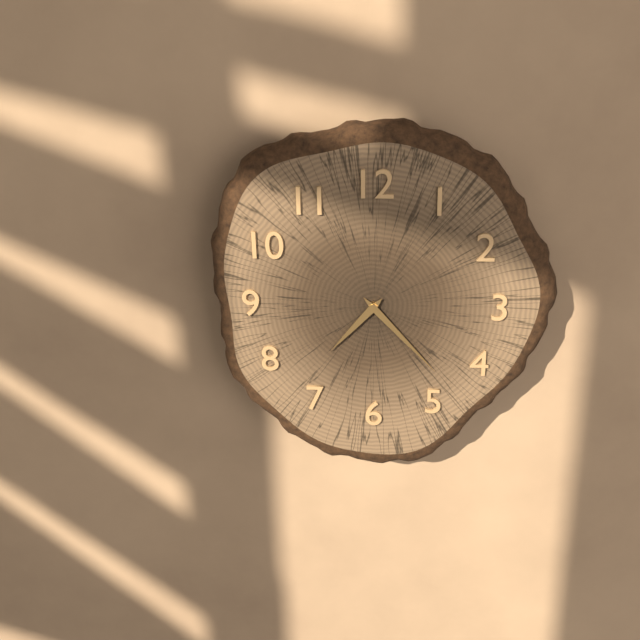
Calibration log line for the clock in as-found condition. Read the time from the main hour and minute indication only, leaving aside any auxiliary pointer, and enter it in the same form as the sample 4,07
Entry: 7,23
